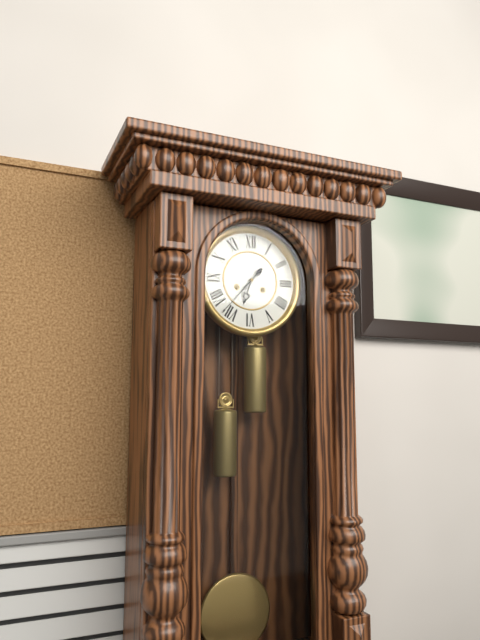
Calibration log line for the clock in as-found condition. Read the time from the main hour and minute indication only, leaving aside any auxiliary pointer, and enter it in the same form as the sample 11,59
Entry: 6,37
